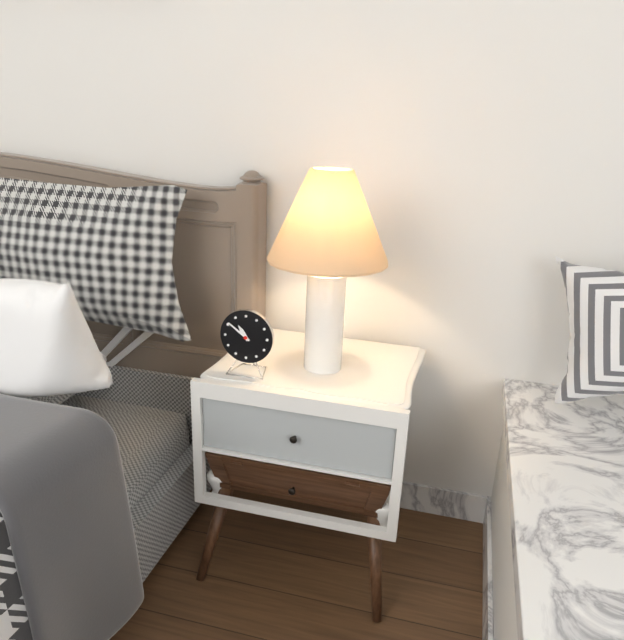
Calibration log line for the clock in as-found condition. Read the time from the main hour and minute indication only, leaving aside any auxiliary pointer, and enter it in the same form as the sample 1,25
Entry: 10,51
